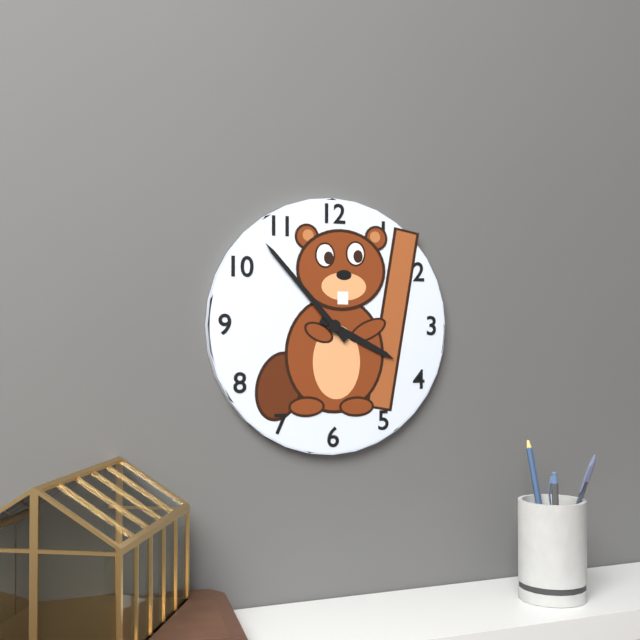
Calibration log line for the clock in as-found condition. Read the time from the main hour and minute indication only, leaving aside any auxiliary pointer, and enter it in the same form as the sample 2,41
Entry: 3,53
